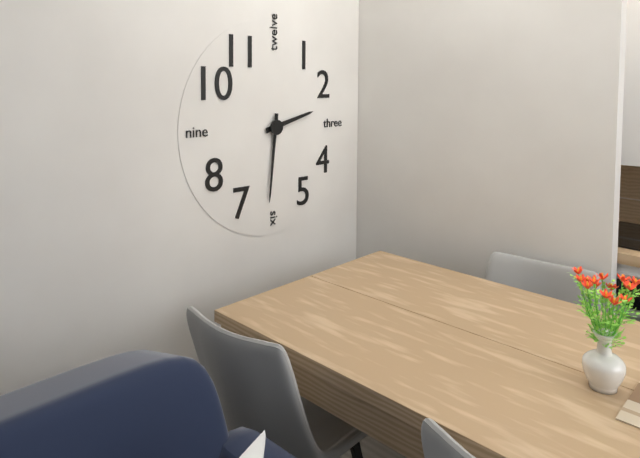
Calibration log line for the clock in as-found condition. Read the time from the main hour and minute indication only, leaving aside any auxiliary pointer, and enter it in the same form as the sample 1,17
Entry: 2,31
